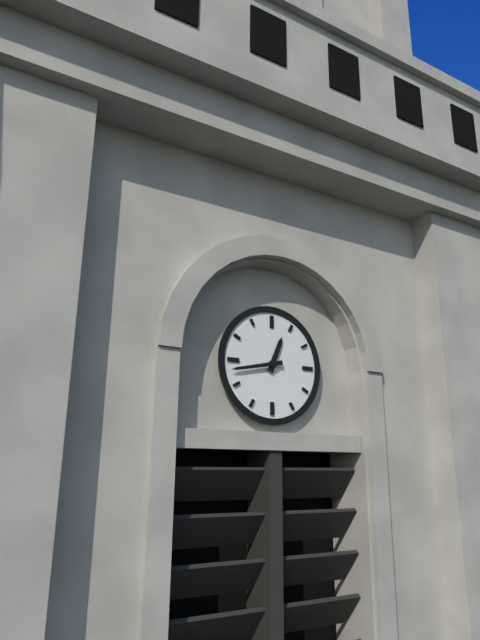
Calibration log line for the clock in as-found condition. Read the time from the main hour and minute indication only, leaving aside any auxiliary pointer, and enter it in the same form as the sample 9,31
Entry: 12,43
